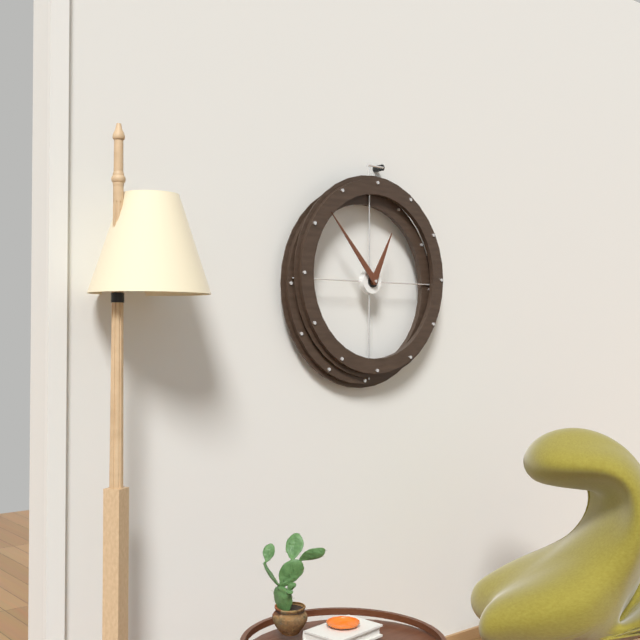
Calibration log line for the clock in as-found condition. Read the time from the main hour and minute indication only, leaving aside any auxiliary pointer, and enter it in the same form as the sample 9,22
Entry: 12,53
